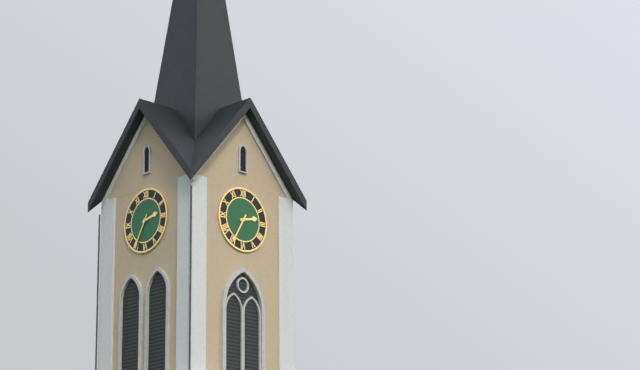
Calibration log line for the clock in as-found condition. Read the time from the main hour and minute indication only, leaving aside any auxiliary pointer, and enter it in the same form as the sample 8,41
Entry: 2,35
